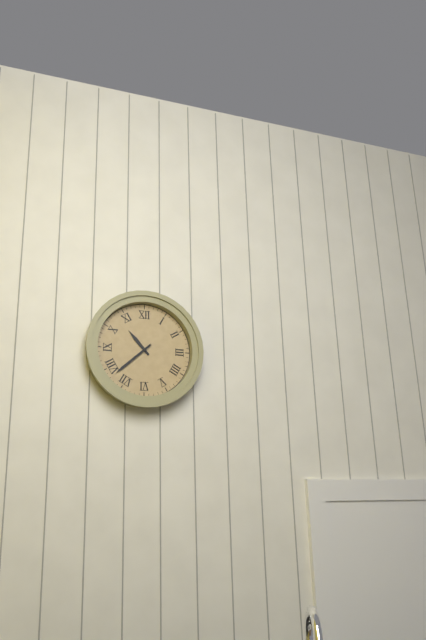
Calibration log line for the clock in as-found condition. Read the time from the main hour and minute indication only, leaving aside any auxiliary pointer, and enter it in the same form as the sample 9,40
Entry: 10,38
